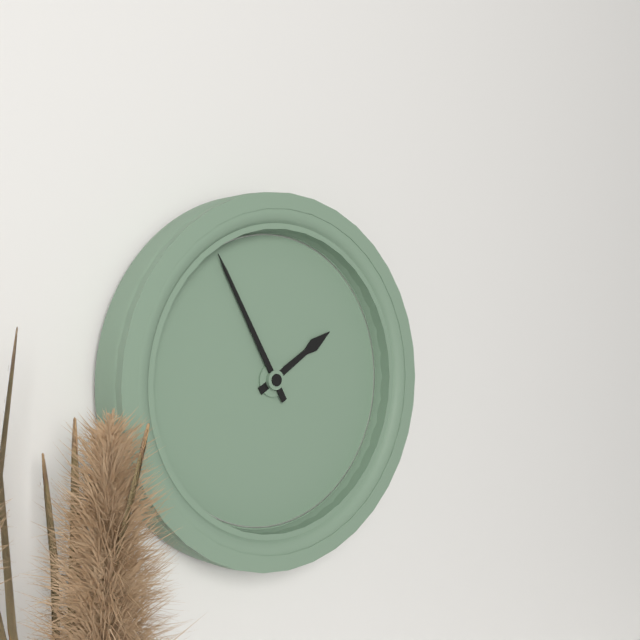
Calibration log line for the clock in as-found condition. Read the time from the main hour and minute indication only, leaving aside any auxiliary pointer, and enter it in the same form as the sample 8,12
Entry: 1,55
